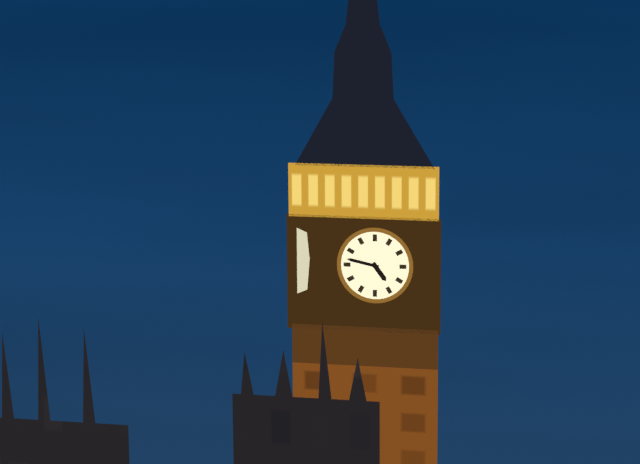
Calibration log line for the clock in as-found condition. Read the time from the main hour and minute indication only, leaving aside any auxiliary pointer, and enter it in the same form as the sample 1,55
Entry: 4,47
